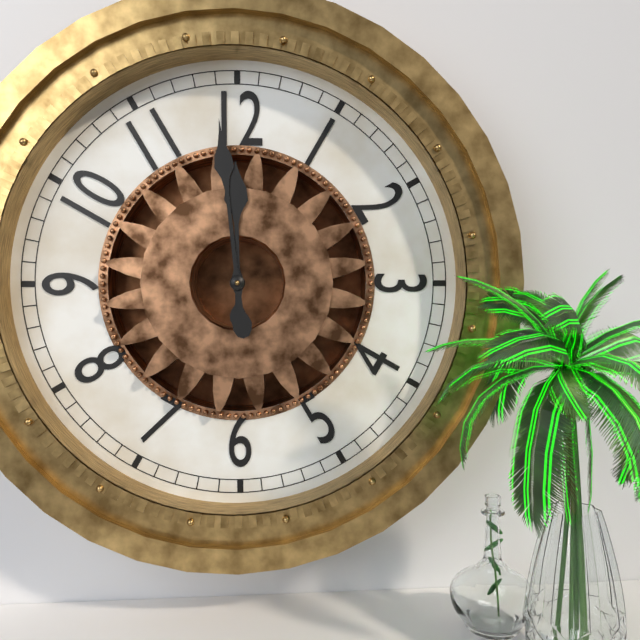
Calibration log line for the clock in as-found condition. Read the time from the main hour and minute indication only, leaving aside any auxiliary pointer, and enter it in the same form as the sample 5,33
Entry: 11,59
